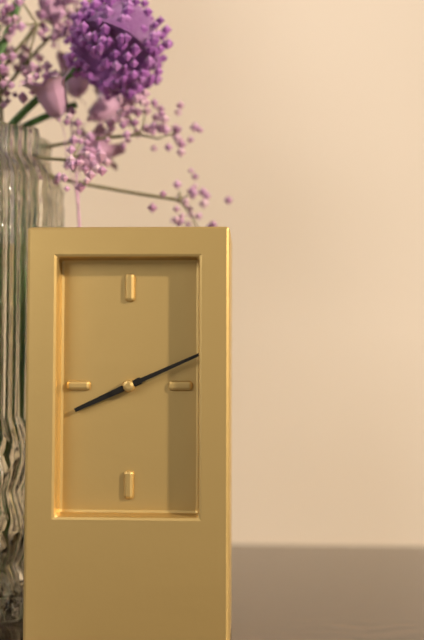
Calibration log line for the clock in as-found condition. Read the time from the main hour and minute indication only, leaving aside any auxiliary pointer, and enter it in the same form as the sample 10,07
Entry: 8,11
